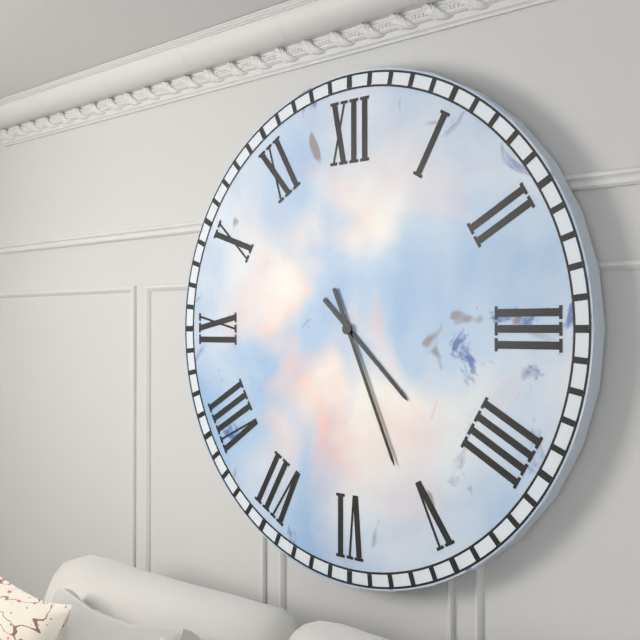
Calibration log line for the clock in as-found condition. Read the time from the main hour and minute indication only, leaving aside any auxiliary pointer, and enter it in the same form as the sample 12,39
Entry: 4,26
